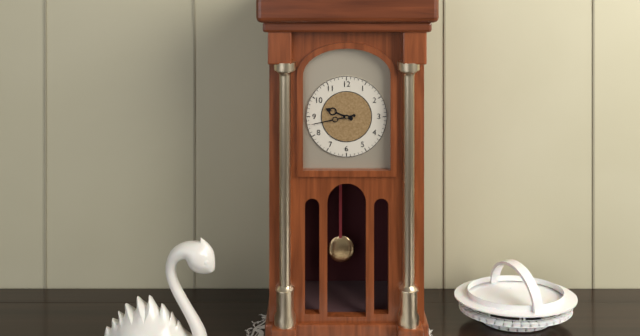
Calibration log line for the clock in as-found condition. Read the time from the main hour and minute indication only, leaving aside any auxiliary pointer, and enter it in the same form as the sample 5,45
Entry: 9,43
